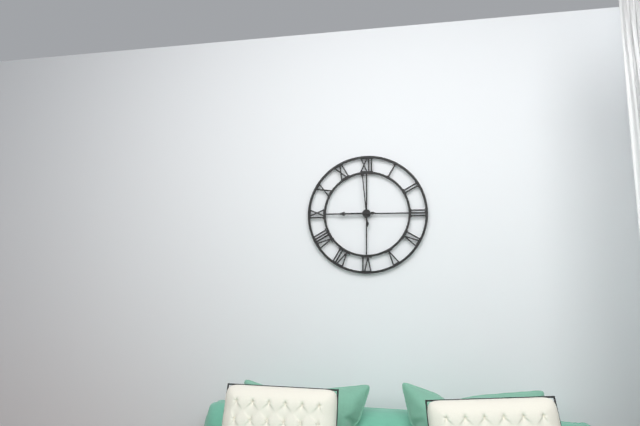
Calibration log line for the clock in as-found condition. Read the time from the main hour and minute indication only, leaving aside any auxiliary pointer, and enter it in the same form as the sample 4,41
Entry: 8,59
